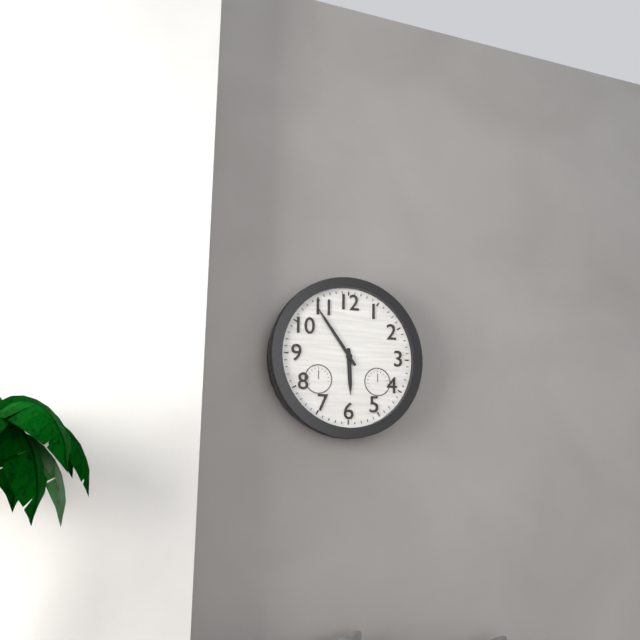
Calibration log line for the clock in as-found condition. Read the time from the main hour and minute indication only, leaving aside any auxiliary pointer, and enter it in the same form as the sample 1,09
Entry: 5,54
